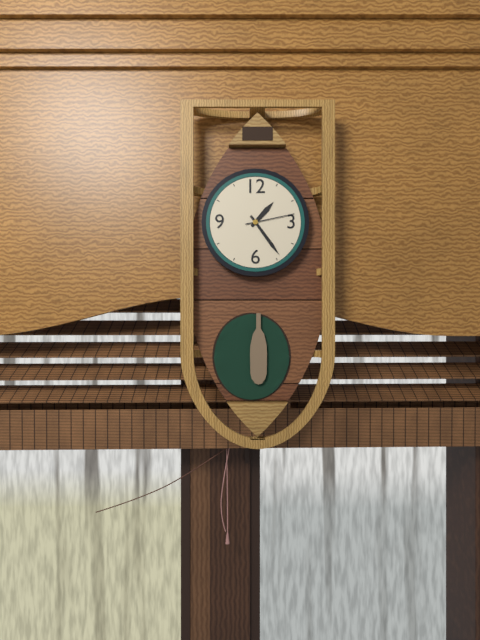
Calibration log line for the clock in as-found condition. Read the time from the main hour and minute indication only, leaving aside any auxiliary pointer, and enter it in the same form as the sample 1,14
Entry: 1,24
